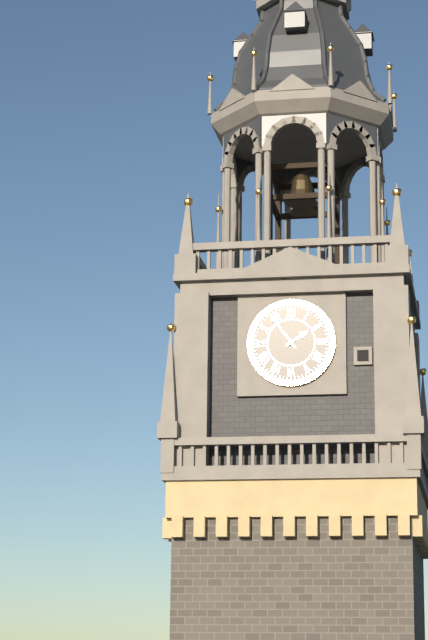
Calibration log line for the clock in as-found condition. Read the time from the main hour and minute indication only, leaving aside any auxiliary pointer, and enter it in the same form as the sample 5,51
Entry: 1,54
